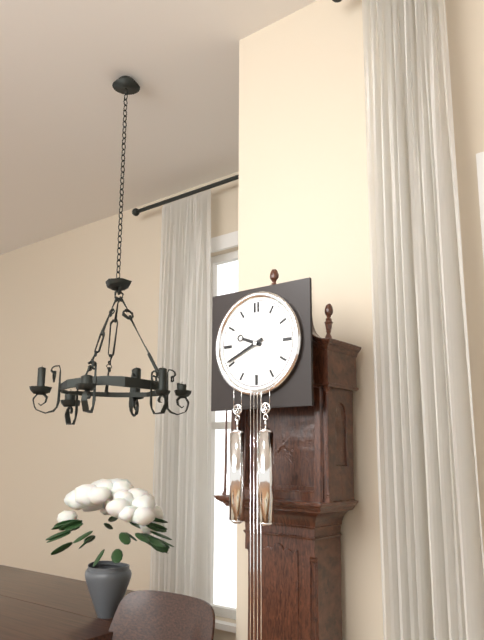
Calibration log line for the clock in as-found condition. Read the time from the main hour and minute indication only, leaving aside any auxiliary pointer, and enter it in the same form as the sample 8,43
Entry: 9,41
